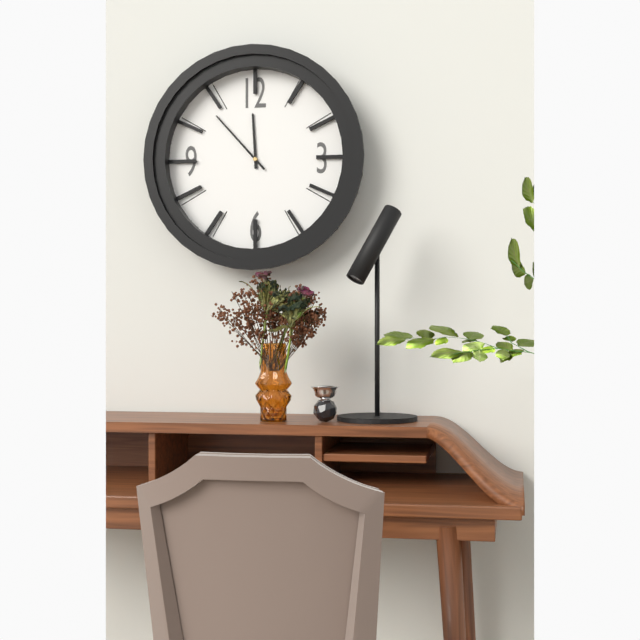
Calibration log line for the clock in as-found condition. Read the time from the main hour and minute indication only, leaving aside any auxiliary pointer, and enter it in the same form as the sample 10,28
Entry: 11,53
